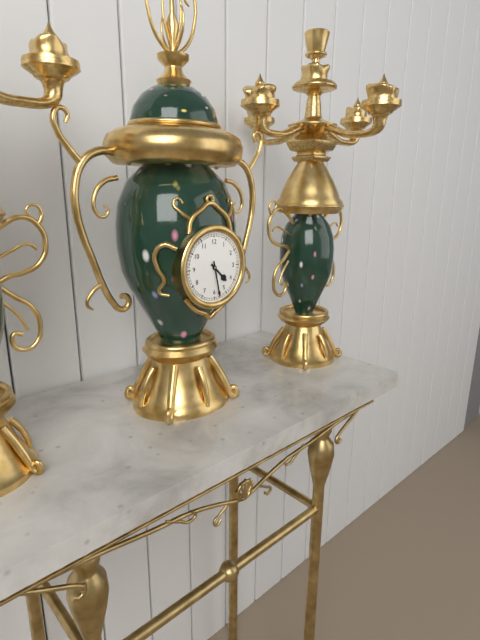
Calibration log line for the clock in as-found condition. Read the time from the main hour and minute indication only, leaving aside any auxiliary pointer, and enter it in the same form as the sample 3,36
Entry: 4,28
